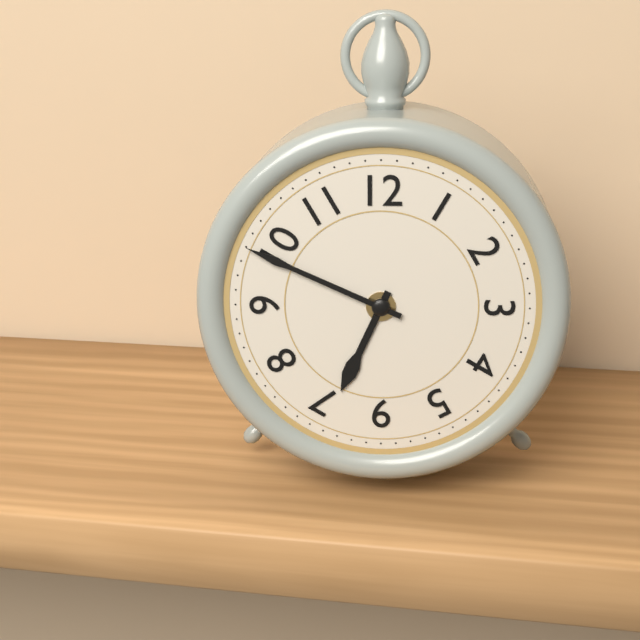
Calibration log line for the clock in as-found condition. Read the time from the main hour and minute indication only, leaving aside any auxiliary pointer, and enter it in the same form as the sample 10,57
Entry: 6,49
